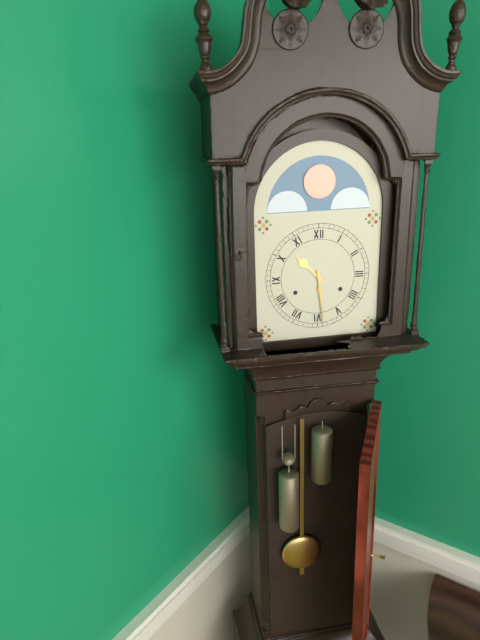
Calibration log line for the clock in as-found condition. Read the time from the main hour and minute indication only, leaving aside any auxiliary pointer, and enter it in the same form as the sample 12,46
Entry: 10,29
